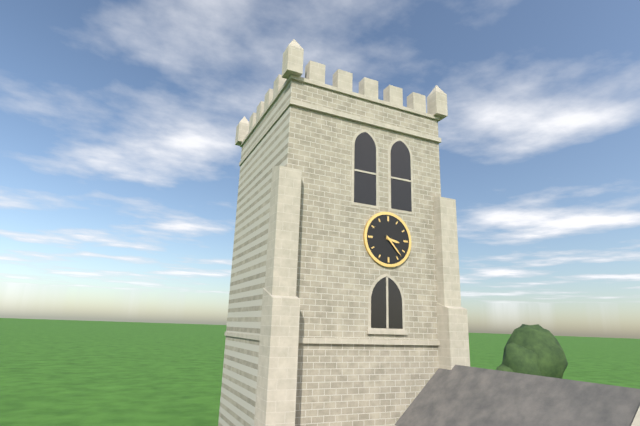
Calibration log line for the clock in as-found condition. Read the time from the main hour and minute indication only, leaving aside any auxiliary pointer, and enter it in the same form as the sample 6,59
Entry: 3,23
